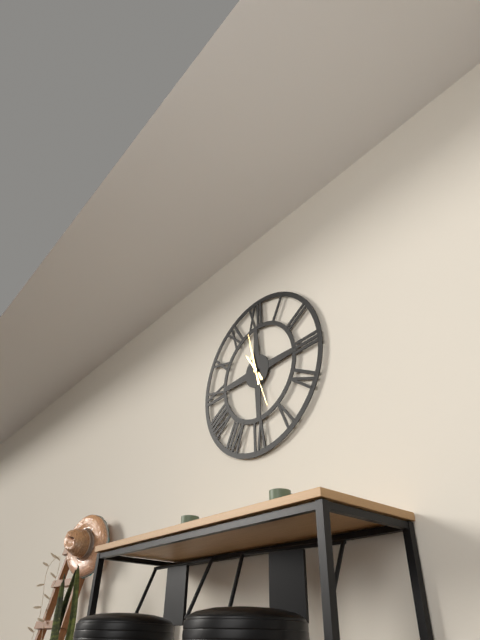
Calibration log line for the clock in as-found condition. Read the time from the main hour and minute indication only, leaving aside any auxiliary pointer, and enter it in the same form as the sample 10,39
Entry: 10,58
